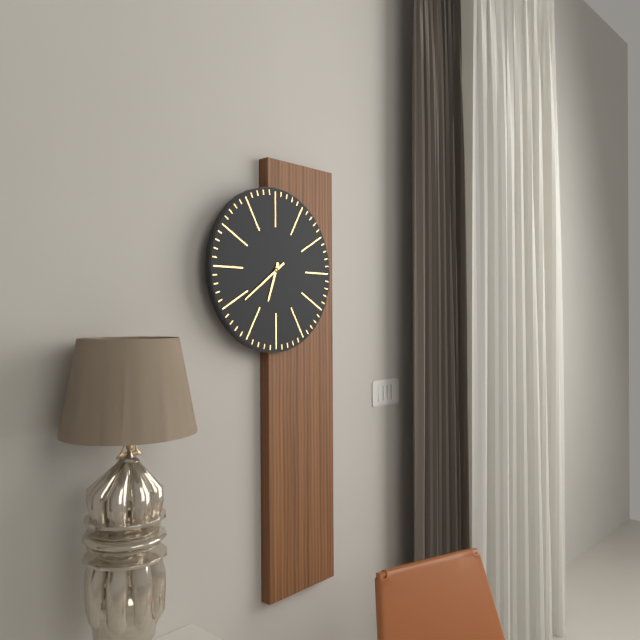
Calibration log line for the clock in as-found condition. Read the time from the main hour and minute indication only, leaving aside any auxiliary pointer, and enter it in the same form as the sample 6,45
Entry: 6,39
